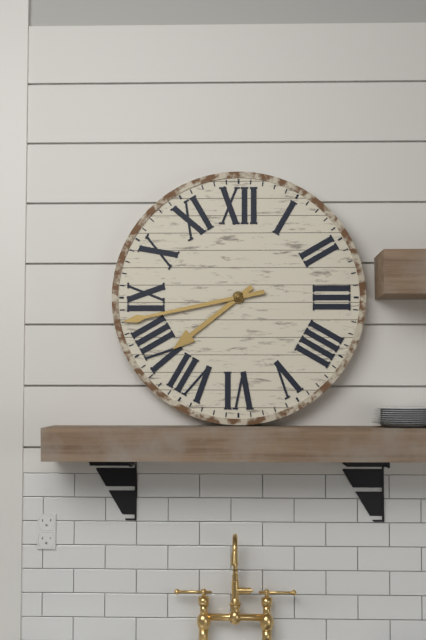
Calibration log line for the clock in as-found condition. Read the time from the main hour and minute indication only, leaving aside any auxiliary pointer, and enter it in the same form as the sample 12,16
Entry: 7,43
